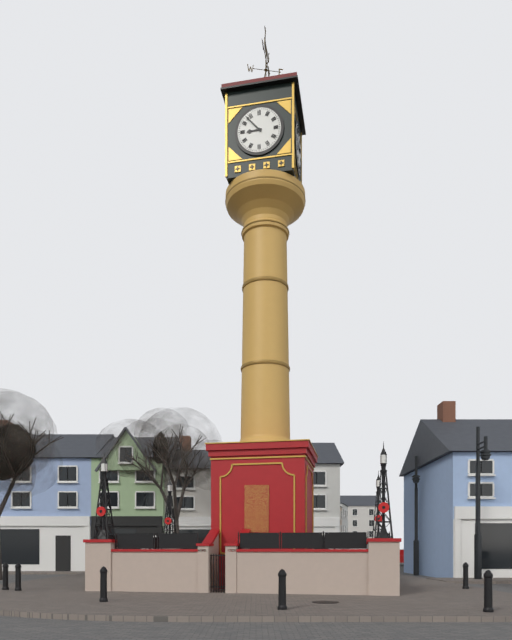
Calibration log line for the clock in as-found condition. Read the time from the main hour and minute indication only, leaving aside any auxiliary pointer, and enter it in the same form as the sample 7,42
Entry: 8,53
